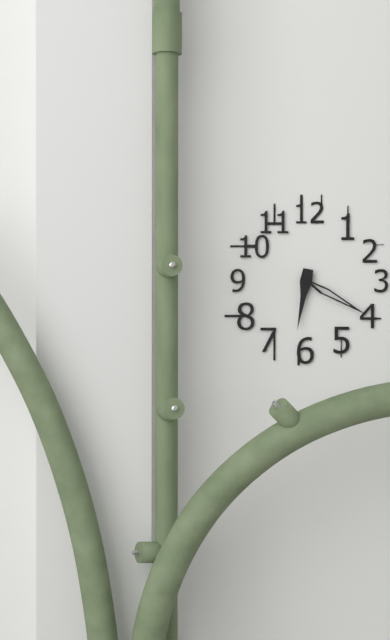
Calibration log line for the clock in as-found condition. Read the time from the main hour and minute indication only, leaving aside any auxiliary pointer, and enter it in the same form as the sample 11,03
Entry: 6,20
